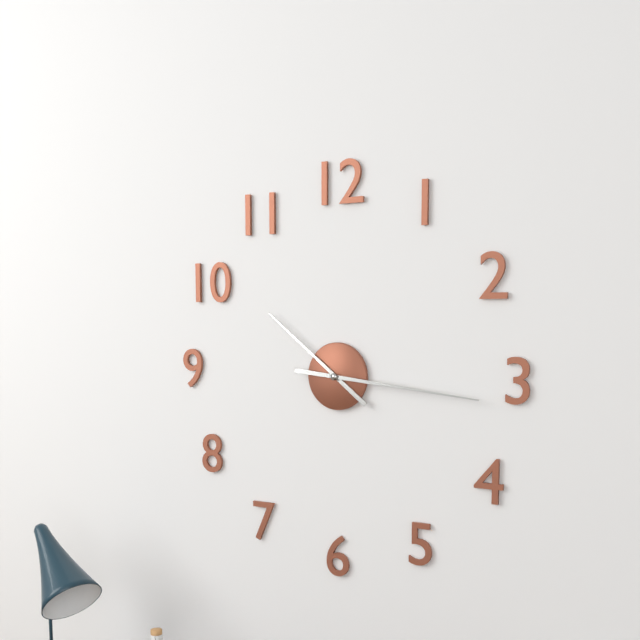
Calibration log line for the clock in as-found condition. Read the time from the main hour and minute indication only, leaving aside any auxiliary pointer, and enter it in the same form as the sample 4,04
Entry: 10,16
